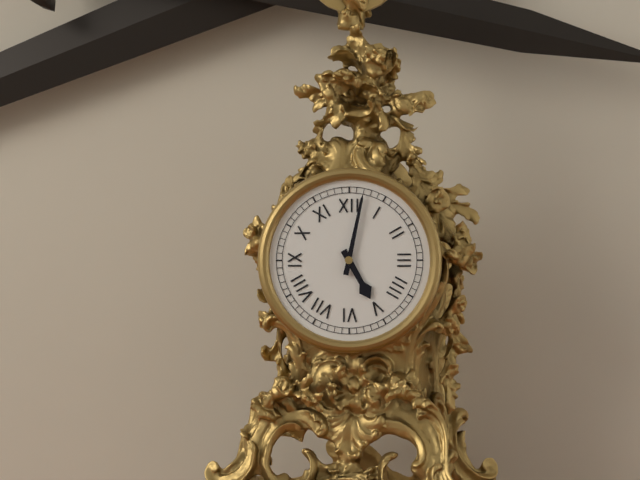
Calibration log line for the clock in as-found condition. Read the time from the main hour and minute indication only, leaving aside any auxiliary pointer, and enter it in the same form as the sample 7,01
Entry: 5,02
